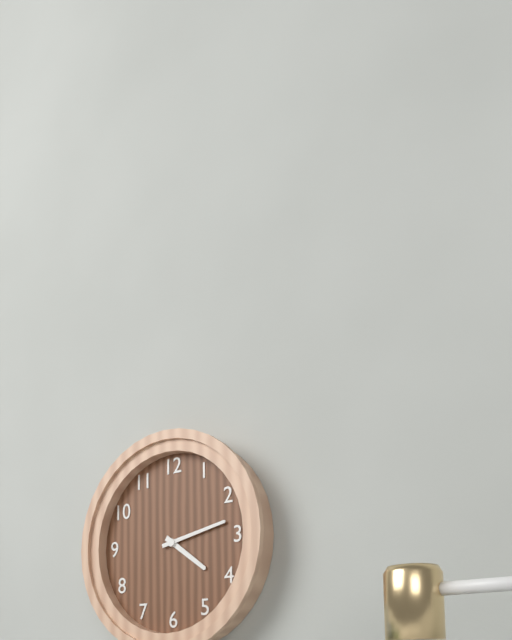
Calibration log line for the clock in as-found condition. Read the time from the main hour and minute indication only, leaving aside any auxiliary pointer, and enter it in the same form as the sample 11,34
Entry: 4,13
